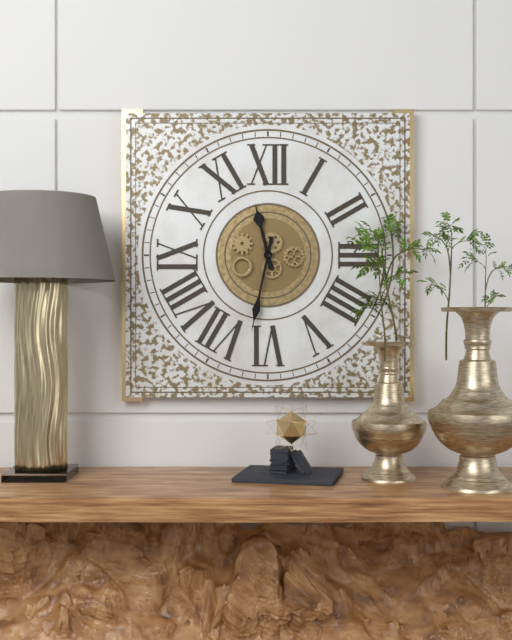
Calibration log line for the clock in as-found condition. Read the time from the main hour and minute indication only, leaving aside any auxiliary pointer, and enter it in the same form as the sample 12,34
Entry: 11,32
